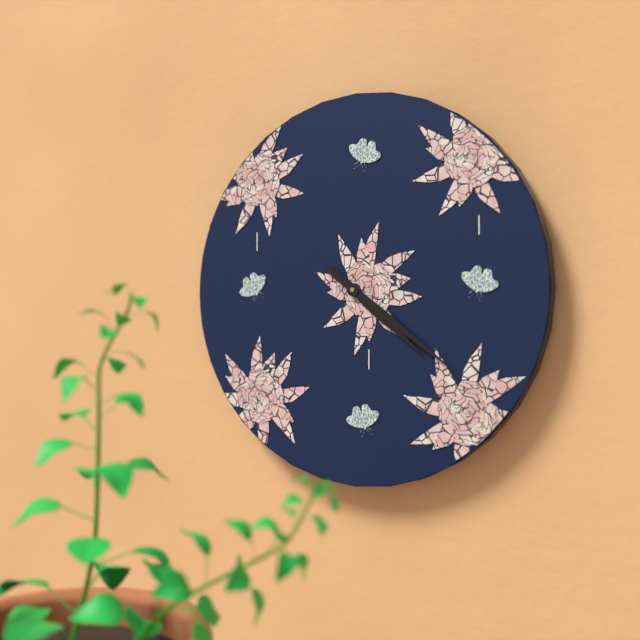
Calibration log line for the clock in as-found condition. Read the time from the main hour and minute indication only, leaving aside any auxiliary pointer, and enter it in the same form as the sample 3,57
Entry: 4,21
